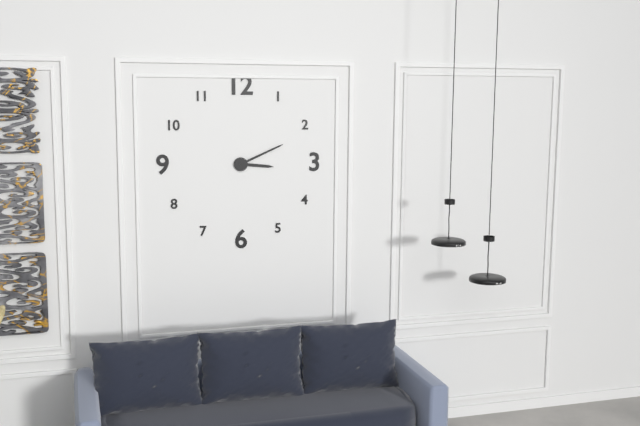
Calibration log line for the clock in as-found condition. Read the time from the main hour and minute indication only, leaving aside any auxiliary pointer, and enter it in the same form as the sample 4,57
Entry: 3,11
